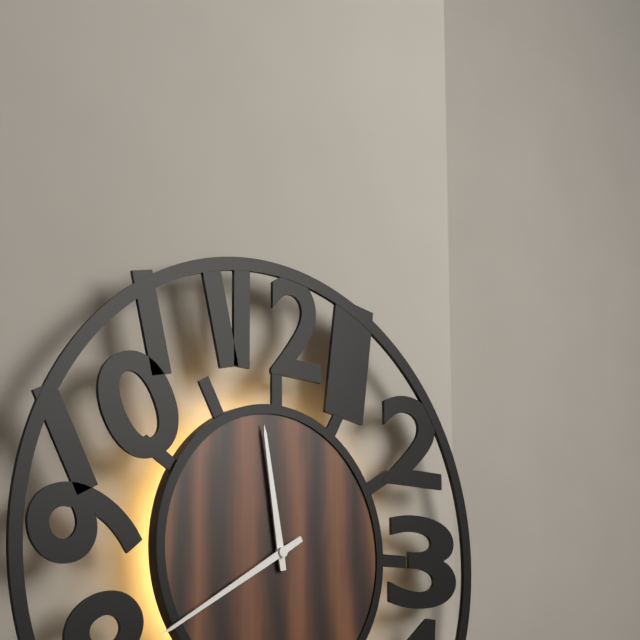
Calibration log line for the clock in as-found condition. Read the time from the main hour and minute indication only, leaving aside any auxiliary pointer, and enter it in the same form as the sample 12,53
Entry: 11,40
